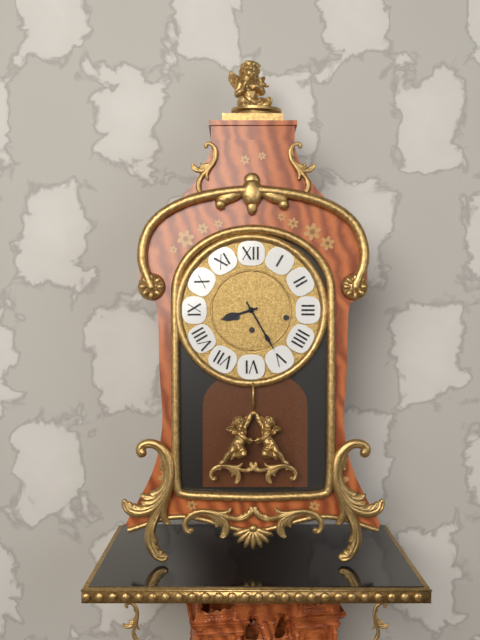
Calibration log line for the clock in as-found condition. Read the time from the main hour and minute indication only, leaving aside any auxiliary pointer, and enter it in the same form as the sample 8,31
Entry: 8,25
